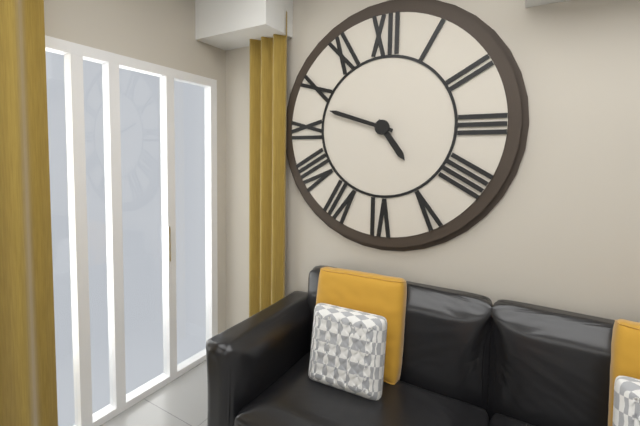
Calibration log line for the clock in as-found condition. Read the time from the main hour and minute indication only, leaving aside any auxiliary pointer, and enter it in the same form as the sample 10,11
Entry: 4,48
